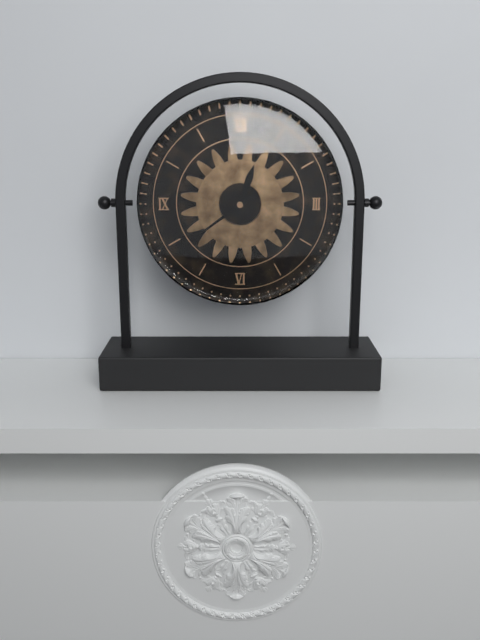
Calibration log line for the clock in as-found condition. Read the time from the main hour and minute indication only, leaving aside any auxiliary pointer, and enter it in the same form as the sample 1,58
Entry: 12,39
